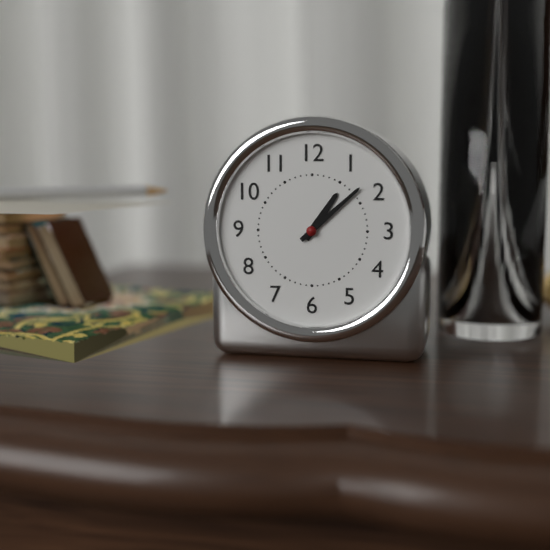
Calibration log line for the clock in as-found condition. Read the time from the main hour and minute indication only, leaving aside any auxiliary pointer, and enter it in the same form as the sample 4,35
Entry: 1,08
